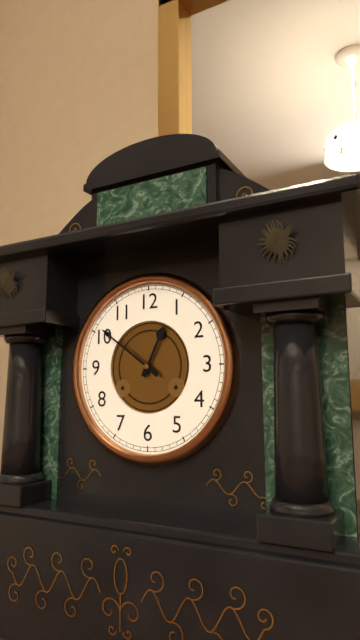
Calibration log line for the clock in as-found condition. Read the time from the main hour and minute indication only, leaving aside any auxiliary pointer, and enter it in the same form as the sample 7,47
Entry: 12,51
